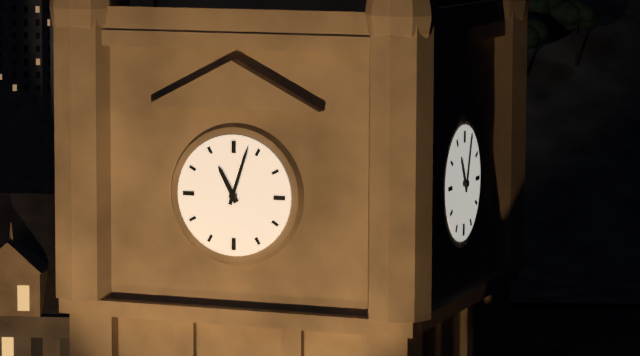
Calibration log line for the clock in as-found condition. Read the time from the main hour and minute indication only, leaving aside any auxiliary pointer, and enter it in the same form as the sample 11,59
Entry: 11,03
